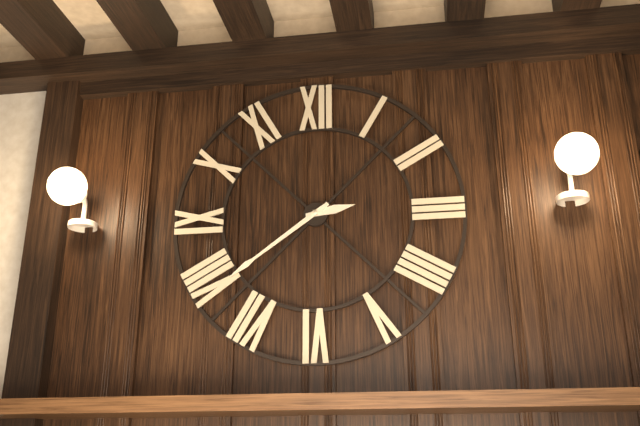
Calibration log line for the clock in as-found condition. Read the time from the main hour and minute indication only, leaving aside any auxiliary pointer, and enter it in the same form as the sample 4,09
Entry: 2,39
